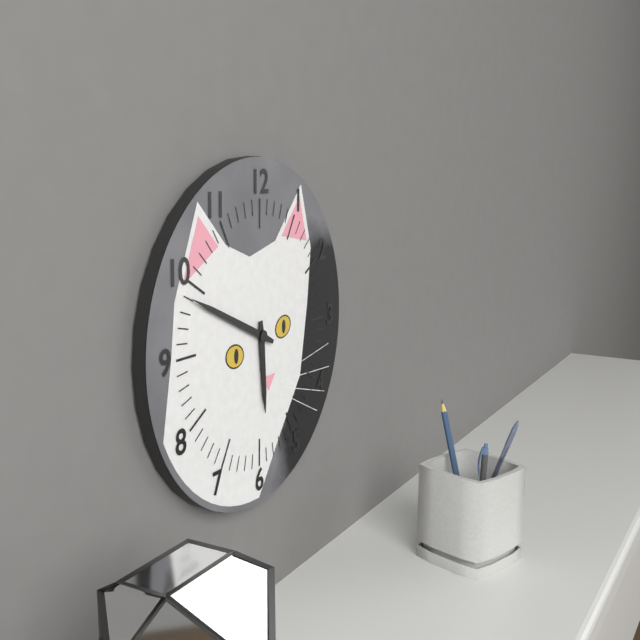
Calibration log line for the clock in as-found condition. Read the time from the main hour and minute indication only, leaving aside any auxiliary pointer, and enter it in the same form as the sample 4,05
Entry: 5,49
